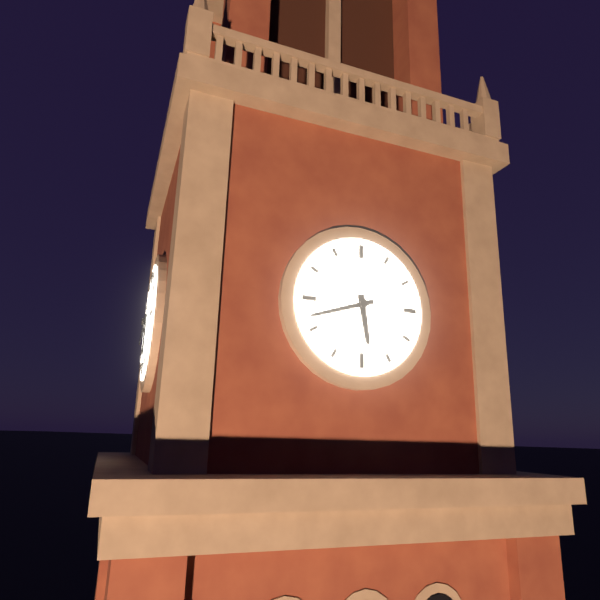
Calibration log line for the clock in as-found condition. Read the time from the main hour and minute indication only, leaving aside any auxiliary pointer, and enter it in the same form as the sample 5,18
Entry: 5,42
